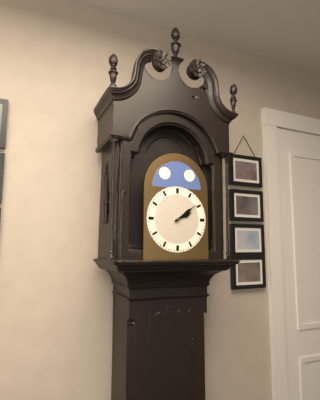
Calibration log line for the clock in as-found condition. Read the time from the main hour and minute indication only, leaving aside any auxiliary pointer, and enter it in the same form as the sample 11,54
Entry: 2,09
